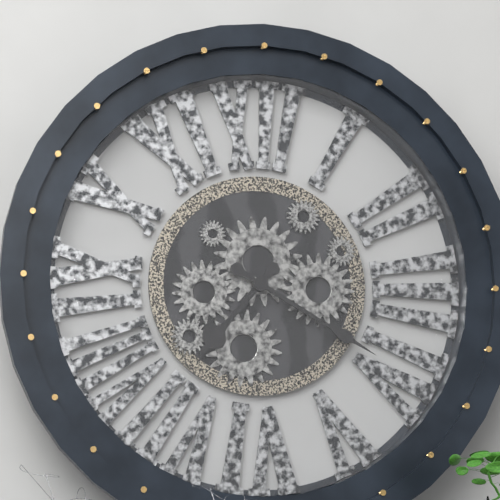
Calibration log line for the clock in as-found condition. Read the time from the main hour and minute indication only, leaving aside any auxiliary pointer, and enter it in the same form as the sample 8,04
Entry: 7,20
